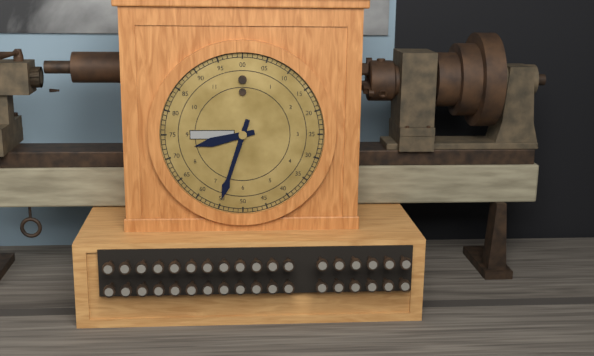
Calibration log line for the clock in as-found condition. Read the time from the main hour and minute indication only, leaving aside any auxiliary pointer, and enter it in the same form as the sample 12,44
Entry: 8,33
